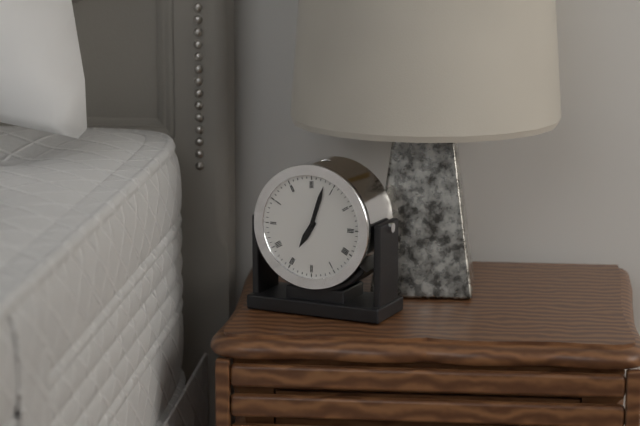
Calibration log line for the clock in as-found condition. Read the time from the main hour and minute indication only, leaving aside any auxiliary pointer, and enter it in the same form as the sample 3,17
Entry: 7,03
